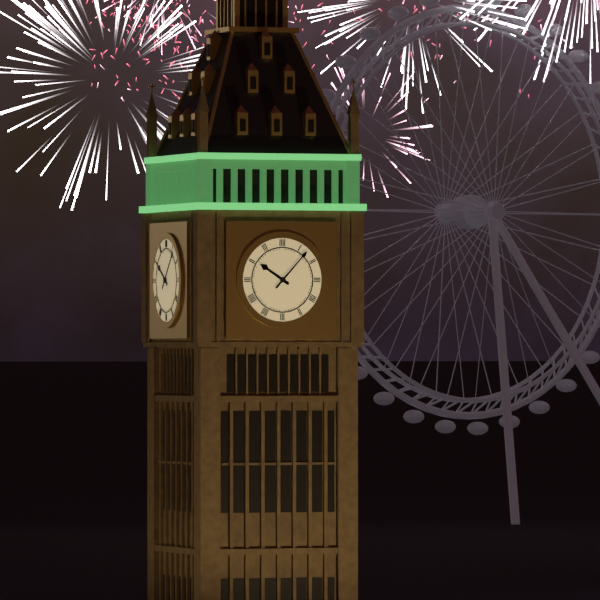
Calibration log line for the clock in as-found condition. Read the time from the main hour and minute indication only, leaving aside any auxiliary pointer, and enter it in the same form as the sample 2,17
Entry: 10,07
